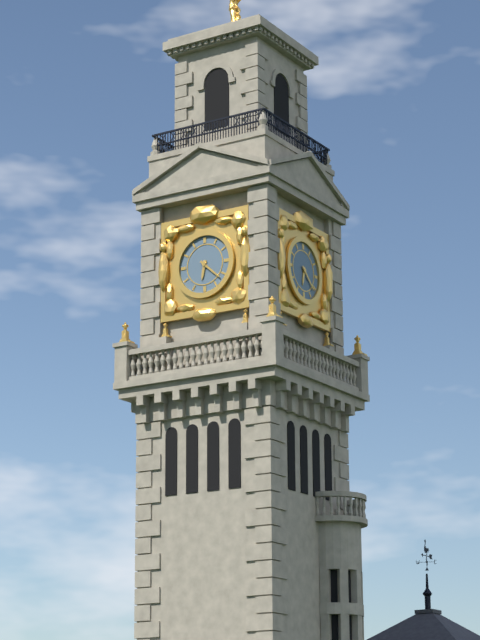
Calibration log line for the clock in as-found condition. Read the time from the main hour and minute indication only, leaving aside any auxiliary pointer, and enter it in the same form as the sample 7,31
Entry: 6,22
